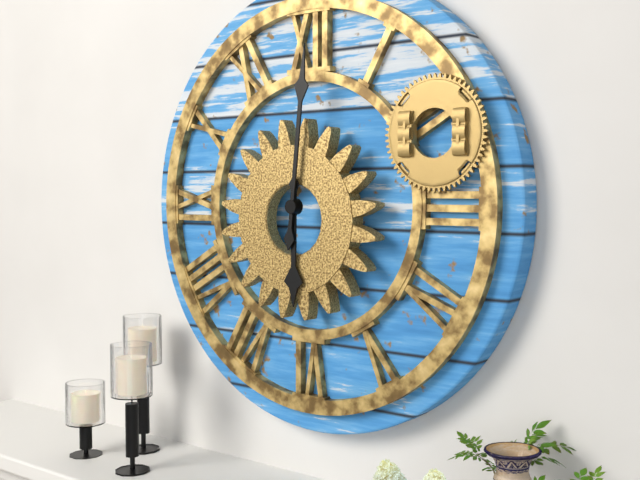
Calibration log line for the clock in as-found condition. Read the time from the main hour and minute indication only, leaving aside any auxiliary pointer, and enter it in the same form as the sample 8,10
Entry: 6,01
